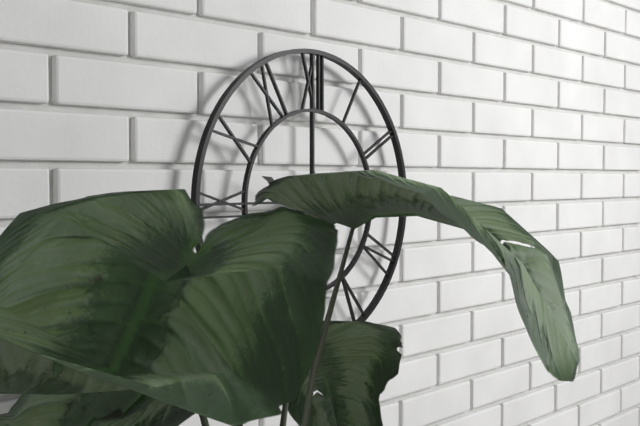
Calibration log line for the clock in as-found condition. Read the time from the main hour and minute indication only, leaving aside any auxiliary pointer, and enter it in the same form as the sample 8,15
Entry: 6,48
